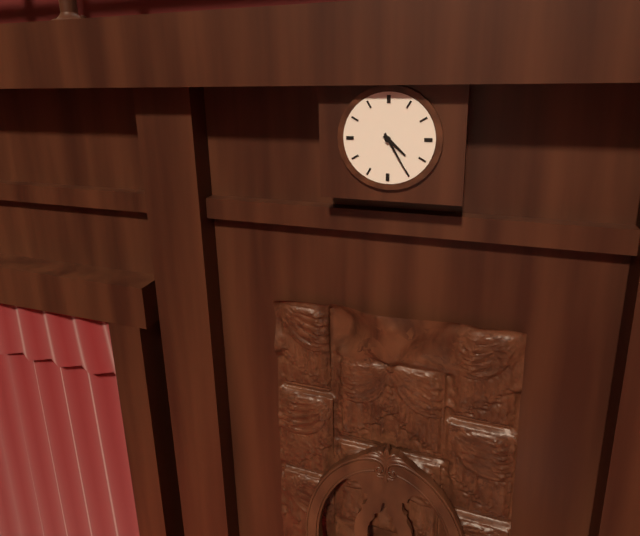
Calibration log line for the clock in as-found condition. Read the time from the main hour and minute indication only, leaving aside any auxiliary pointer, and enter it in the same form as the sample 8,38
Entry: 4,25
